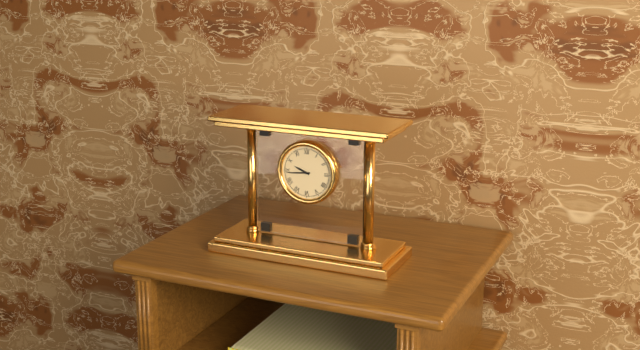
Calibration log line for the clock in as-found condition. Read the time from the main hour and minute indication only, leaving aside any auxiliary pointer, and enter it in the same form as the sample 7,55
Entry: 9,44
